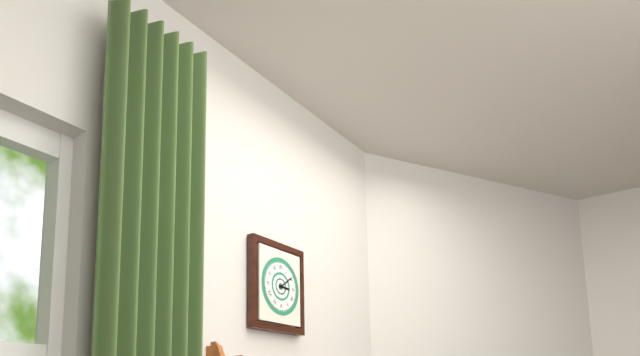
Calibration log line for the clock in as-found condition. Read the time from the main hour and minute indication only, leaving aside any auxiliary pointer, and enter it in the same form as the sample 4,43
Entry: 3,09
